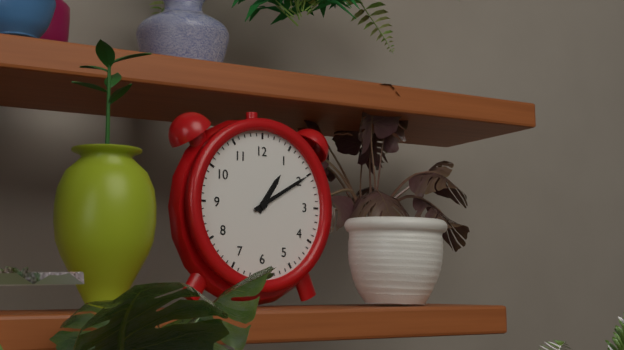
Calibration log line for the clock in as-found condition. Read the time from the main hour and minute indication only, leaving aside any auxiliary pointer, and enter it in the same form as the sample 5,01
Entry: 1,10
